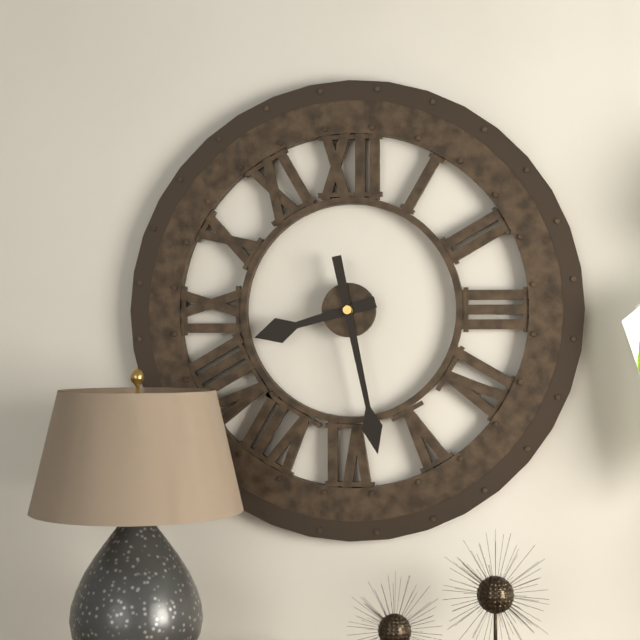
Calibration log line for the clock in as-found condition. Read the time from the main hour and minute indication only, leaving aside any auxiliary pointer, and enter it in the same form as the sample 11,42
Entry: 8,28
